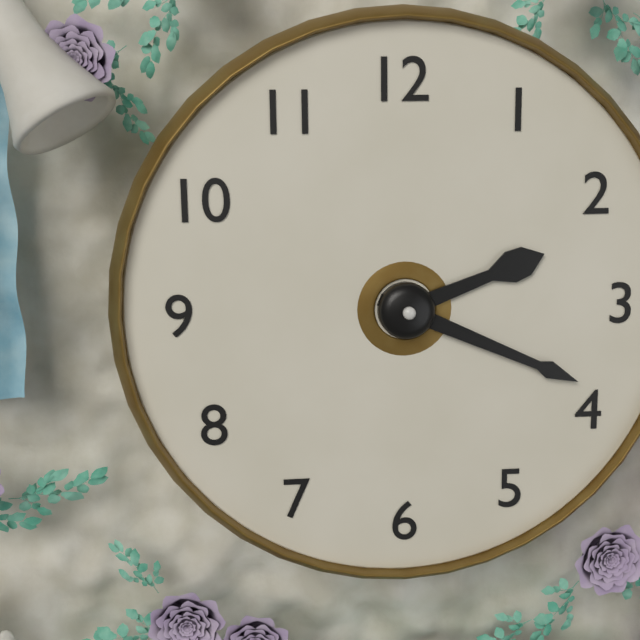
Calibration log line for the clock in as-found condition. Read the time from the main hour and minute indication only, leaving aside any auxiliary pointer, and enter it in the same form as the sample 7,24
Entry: 2,19
